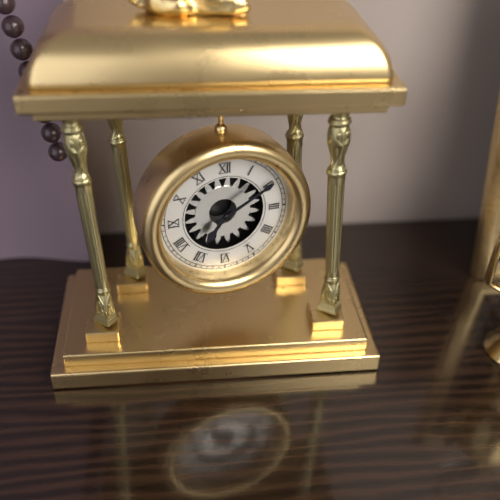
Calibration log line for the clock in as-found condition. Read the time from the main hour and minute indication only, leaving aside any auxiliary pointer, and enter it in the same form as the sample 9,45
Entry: 7,10
